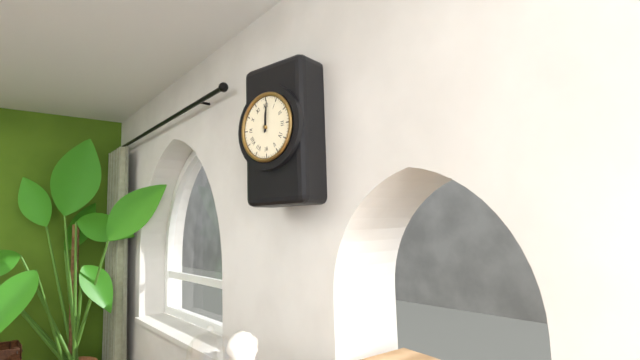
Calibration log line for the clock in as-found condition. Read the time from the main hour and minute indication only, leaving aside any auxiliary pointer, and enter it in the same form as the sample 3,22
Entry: 12,01
